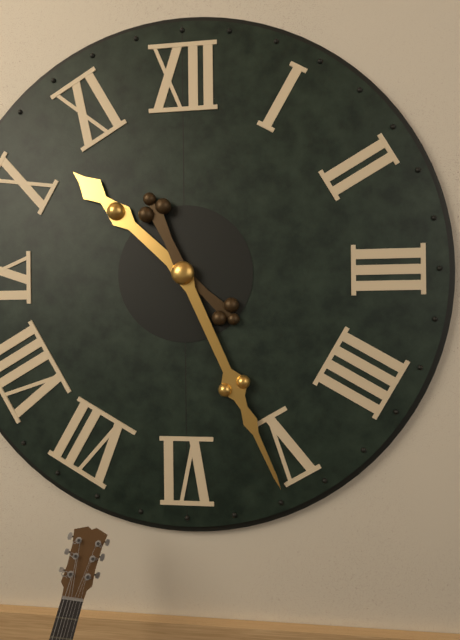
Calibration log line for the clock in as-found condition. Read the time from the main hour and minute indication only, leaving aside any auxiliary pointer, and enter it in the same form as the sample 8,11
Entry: 10,26
